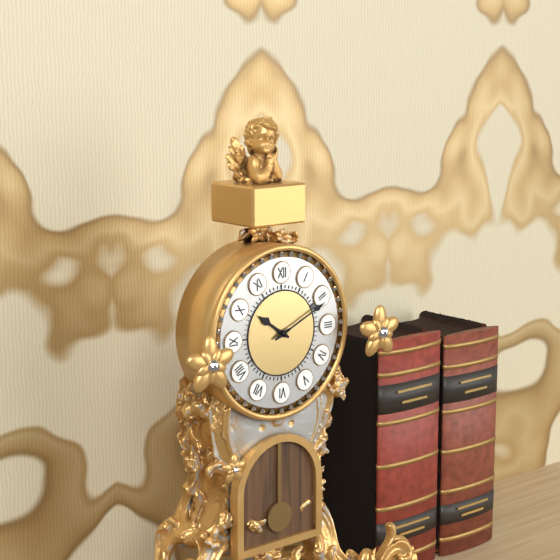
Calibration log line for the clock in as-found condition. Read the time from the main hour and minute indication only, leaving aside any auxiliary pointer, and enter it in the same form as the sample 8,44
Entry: 10,11
